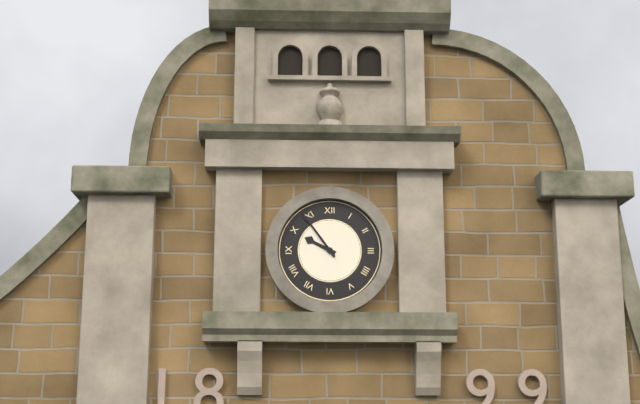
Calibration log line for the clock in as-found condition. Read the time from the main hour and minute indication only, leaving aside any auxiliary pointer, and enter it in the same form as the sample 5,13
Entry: 9,54
